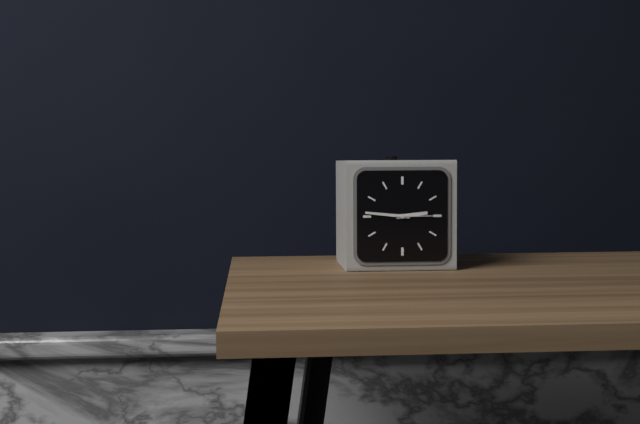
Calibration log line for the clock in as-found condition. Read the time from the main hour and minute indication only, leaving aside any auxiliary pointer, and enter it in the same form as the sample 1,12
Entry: 2,46
